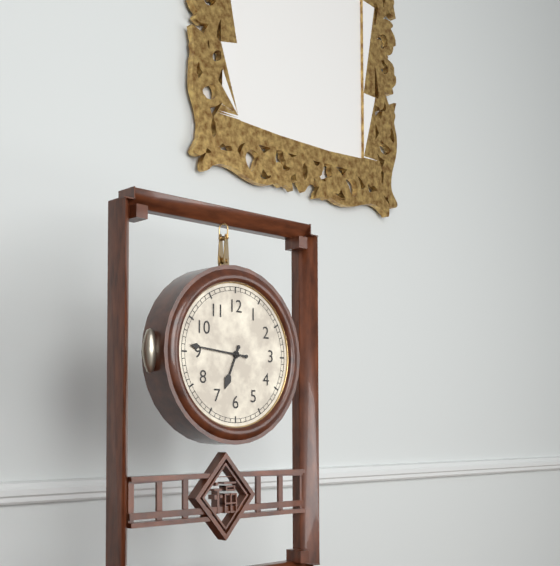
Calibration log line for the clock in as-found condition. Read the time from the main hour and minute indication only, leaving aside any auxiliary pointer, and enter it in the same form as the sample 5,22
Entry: 6,46
